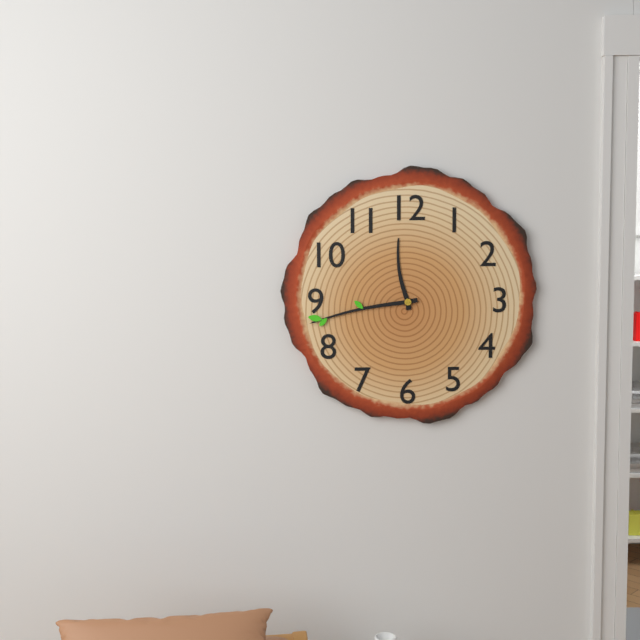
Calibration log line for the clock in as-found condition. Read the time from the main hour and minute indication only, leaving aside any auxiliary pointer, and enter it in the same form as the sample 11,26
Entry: 11,43
